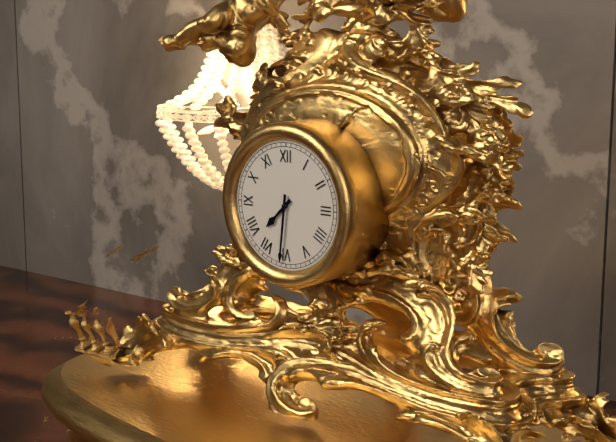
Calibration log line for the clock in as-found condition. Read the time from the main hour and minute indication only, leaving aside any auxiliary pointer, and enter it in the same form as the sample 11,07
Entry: 7,31
